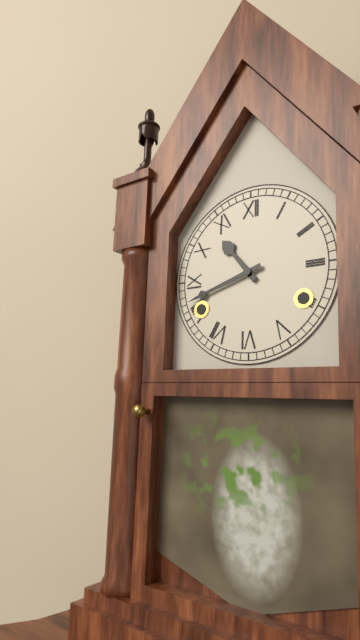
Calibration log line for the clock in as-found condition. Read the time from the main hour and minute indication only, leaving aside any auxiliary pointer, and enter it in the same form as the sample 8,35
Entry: 10,42
